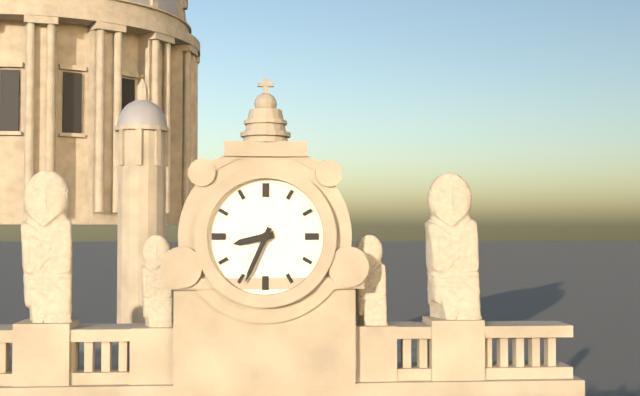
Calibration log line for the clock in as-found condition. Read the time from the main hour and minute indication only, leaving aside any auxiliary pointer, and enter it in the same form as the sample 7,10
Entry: 8,34
